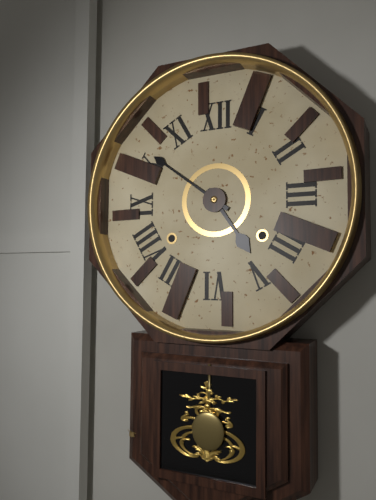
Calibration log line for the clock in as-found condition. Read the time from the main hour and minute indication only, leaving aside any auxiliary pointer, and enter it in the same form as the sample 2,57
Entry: 4,51
